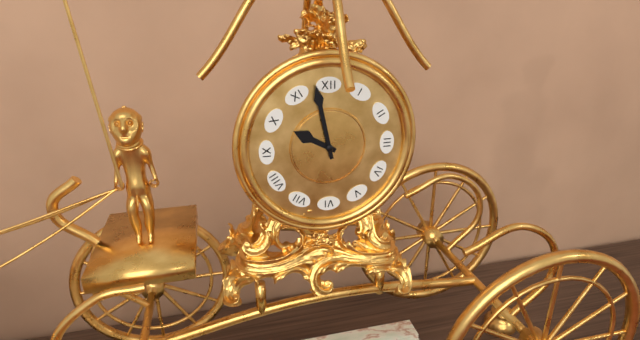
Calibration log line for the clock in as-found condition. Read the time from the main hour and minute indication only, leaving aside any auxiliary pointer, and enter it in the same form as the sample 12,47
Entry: 9,58
